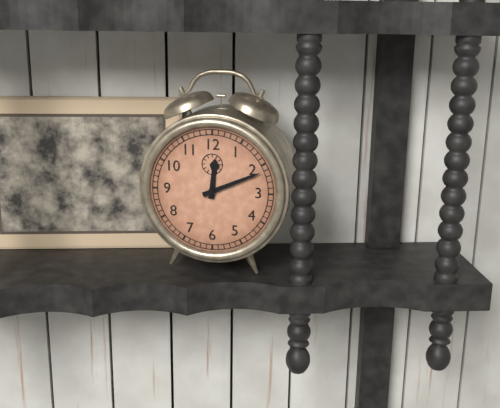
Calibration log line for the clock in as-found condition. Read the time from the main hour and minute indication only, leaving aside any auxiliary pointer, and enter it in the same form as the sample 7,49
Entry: 12,11
